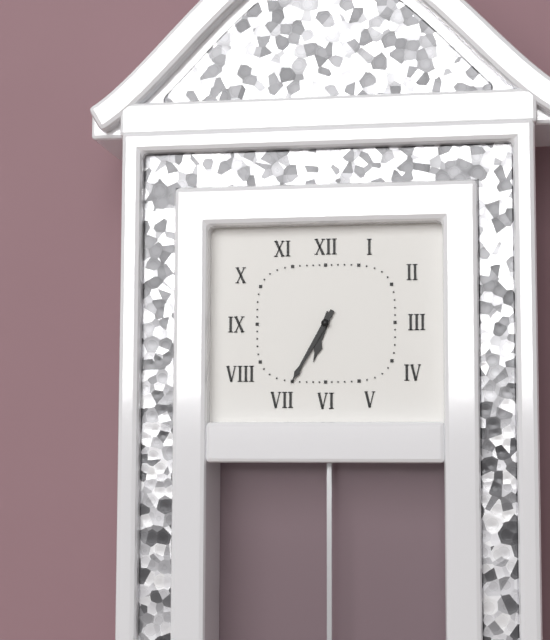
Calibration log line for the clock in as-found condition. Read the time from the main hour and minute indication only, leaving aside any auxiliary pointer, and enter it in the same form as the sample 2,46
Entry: 6,35
